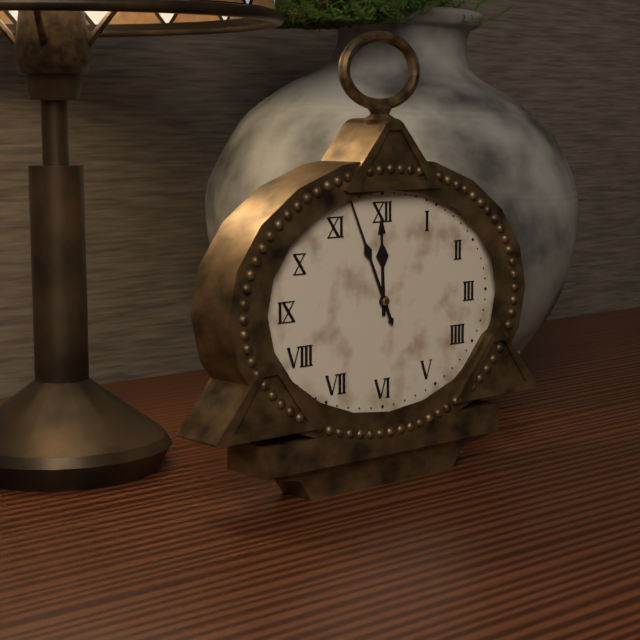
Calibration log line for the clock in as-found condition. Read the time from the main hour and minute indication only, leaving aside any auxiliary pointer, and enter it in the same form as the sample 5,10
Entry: 11,56
